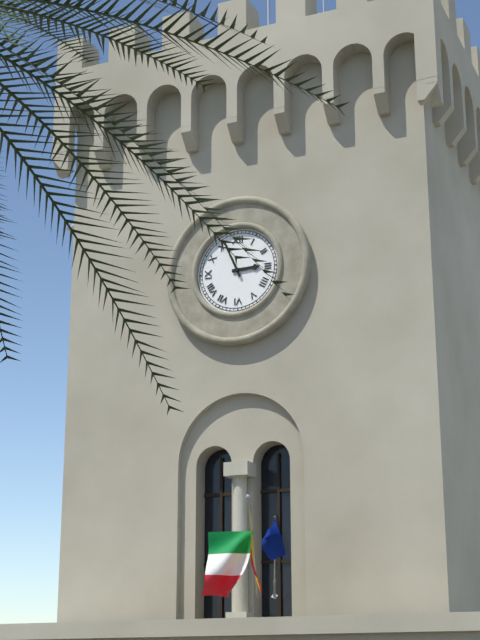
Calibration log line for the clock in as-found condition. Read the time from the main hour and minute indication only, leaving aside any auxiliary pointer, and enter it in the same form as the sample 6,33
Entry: 2,56
